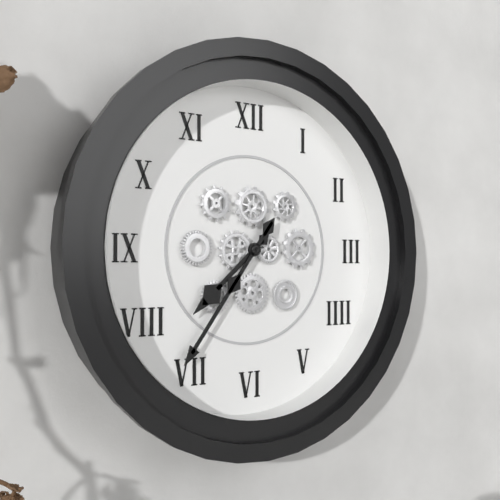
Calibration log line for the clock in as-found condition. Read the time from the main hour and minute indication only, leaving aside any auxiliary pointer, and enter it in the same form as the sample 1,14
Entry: 7,36
